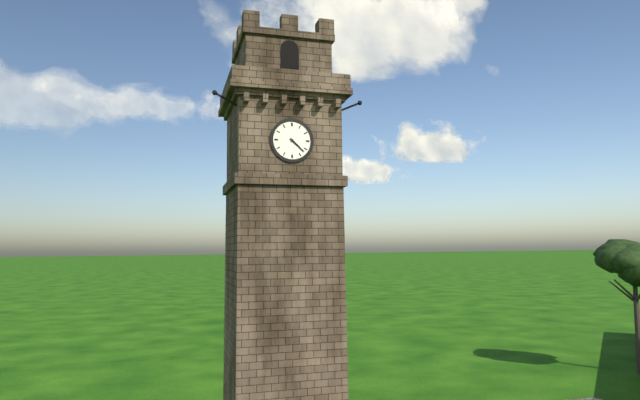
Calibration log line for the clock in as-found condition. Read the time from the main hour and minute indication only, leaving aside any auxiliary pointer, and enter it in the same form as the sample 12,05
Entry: 4,22
